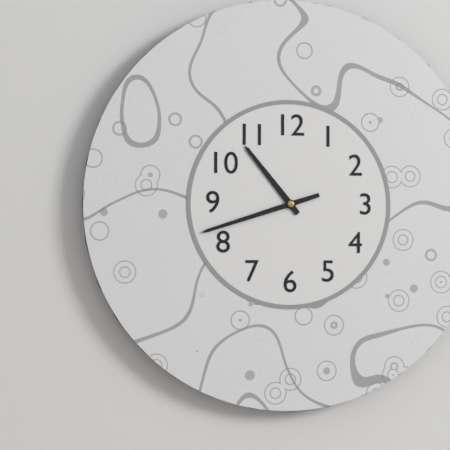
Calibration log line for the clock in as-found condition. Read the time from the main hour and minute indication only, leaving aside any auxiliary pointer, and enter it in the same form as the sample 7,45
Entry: 10,42
